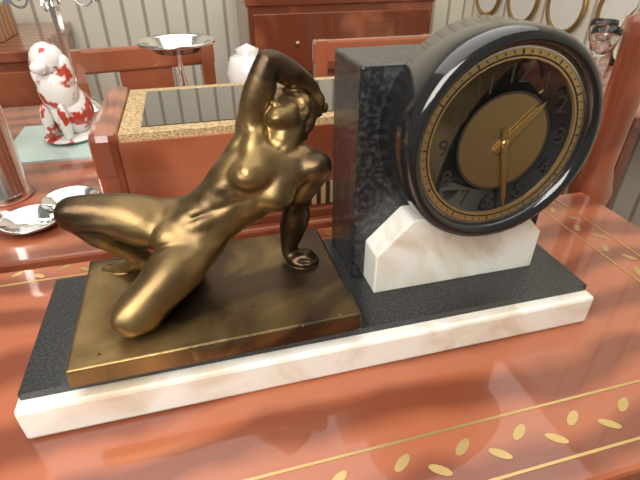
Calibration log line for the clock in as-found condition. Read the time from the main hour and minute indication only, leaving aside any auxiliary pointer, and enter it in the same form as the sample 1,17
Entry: 1,28
